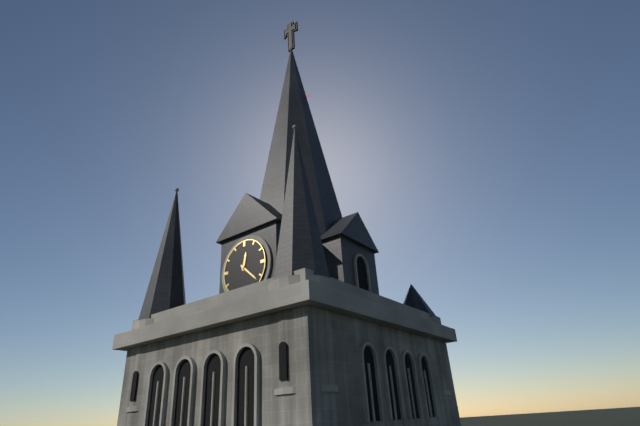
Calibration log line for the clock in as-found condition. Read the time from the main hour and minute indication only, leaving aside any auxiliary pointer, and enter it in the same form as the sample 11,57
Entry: 12,22
